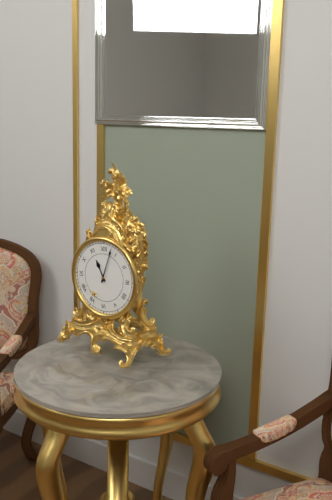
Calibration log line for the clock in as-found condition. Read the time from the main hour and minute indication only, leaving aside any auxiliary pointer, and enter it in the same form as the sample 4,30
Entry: 11,03
